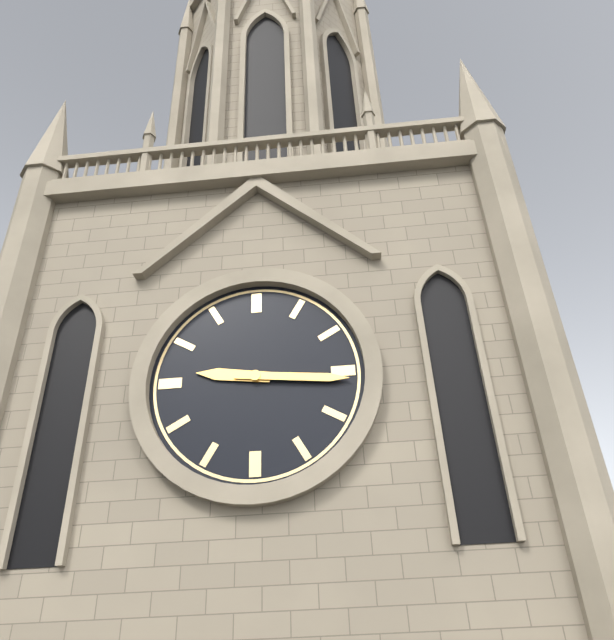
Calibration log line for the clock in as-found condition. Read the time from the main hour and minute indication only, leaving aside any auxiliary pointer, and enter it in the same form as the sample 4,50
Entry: 9,16
